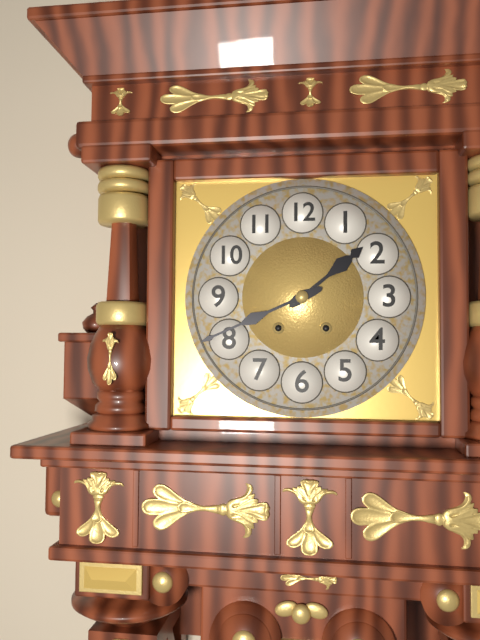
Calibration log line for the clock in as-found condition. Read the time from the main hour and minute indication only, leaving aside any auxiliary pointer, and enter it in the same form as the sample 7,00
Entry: 1,41
